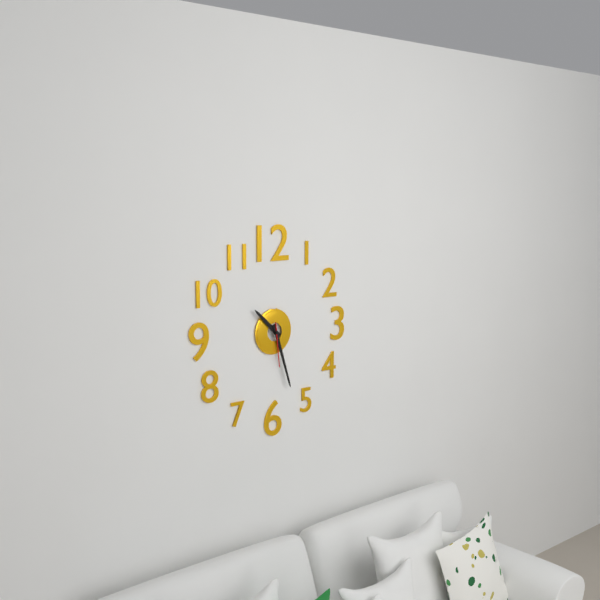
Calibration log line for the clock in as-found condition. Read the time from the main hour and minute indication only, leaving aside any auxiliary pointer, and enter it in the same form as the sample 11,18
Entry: 10,27
